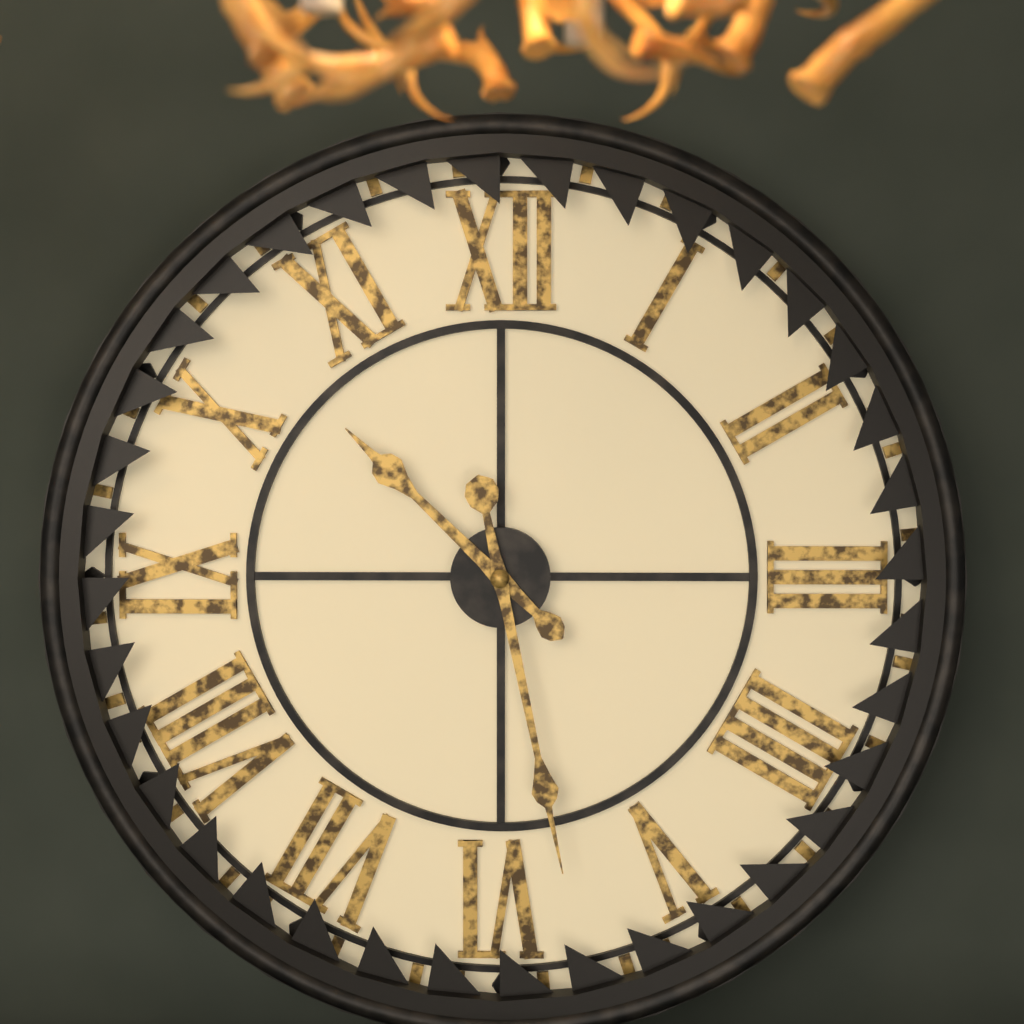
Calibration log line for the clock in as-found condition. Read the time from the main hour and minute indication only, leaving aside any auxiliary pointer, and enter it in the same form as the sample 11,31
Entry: 10,28
